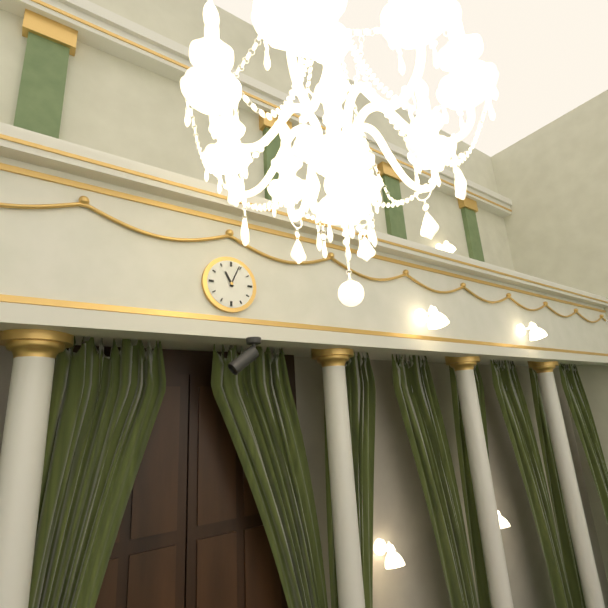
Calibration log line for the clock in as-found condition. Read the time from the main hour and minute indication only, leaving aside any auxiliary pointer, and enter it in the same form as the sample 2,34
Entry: 11,04
